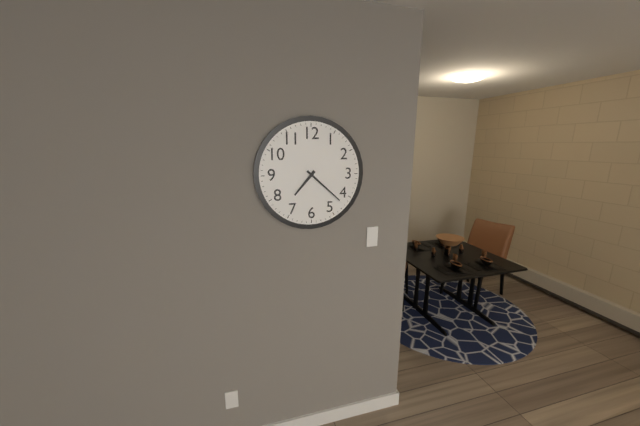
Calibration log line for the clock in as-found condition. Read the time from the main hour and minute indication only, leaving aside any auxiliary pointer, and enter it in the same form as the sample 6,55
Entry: 7,22
